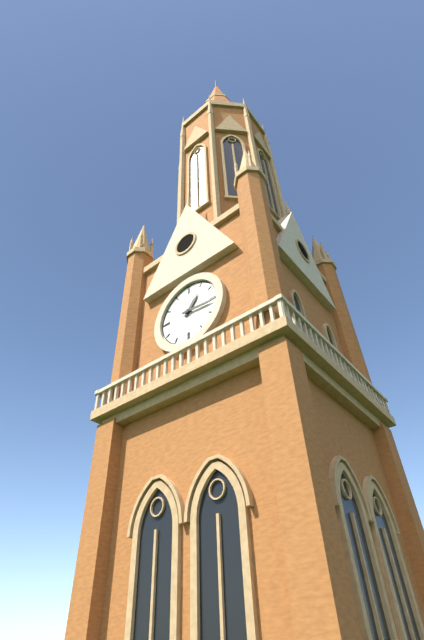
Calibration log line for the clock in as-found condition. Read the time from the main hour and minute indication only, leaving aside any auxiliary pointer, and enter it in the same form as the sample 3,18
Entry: 1,16
